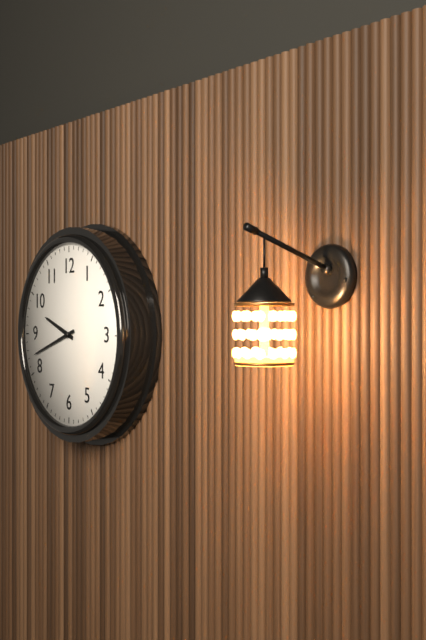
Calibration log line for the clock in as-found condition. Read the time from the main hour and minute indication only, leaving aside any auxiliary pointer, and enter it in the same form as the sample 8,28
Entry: 9,42
